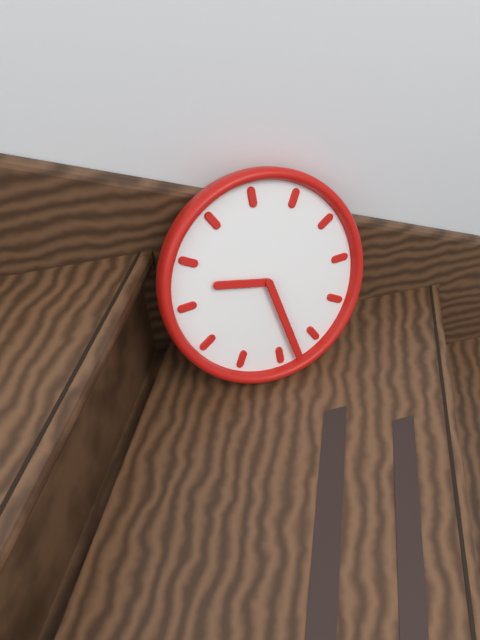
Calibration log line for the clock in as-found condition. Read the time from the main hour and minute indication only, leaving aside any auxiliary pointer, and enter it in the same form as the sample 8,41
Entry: 9,28
